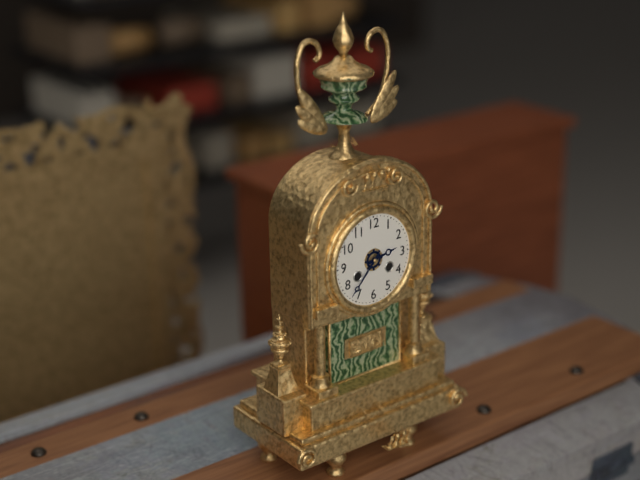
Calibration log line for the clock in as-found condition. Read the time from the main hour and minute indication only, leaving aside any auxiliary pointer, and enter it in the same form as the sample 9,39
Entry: 2,37
